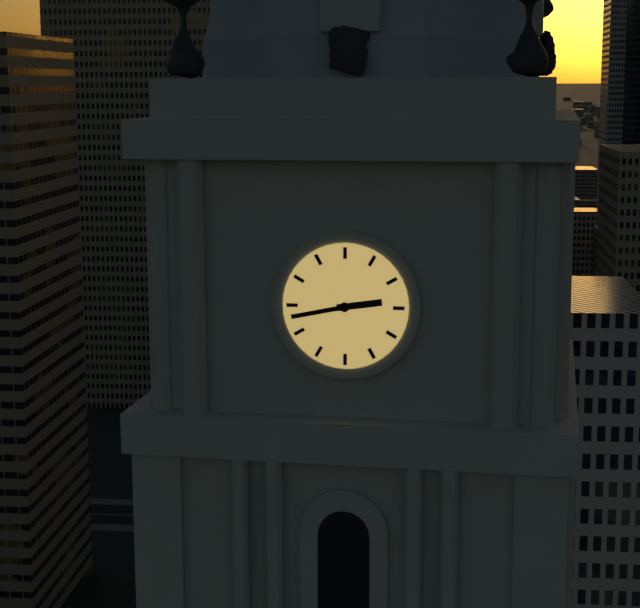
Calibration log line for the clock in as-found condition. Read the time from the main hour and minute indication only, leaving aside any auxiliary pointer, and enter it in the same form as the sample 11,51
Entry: 2,43
